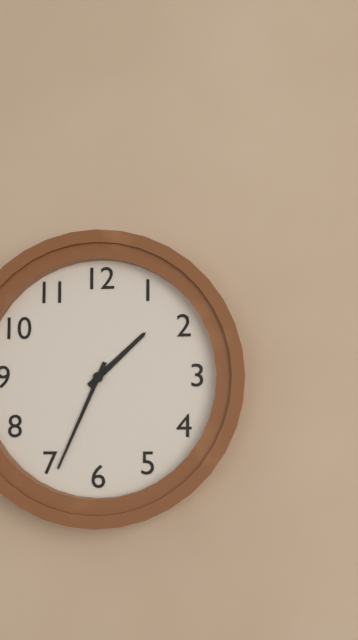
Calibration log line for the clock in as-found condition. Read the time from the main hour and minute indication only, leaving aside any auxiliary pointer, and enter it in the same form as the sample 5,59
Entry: 1,34
